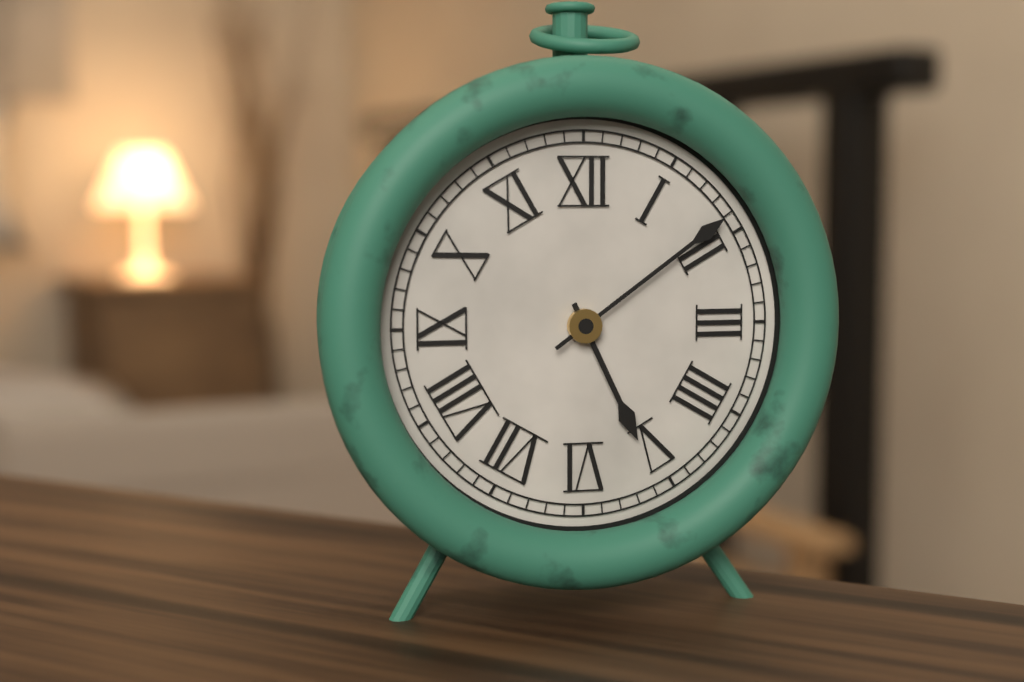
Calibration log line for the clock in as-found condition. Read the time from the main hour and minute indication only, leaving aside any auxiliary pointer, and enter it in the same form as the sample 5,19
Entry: 5,09
